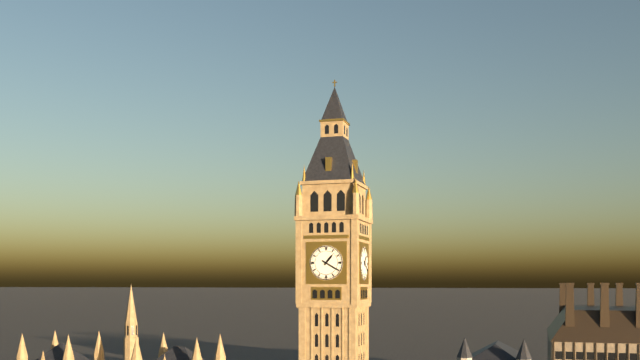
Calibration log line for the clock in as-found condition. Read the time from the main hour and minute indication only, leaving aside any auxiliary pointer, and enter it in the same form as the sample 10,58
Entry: 1,20
